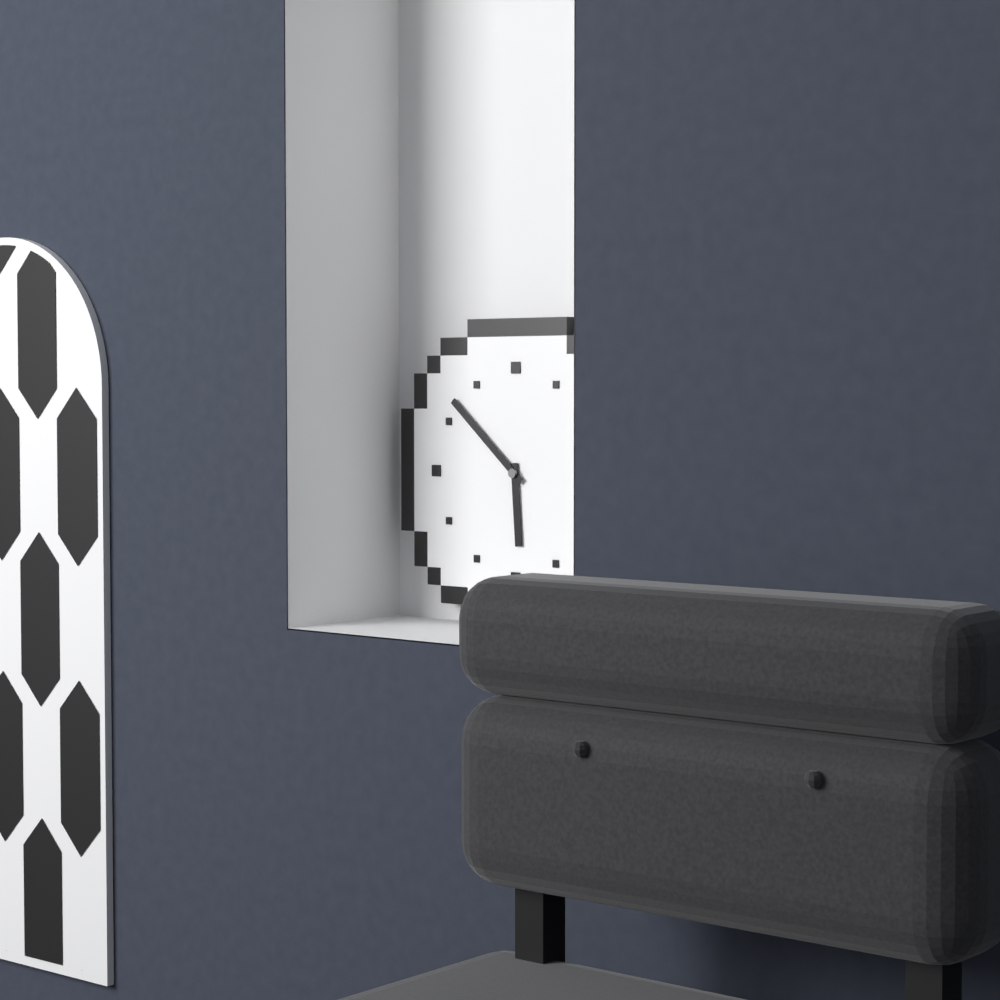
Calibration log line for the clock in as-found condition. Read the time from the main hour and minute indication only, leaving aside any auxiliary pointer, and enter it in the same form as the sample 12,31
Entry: 5,52
